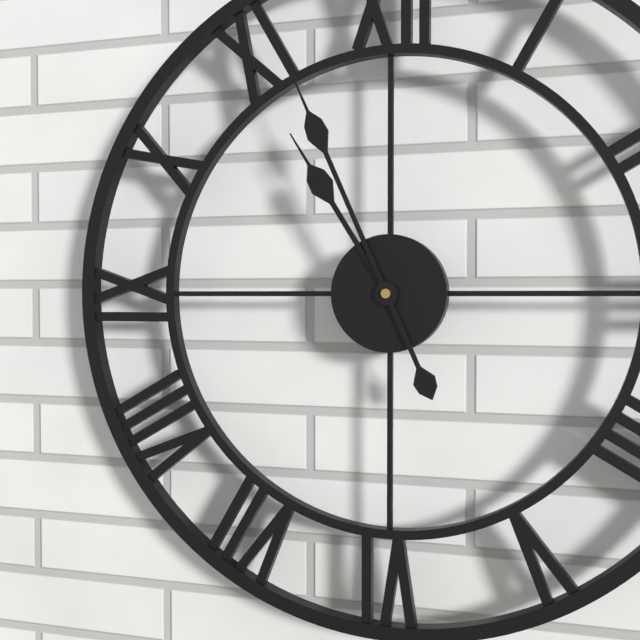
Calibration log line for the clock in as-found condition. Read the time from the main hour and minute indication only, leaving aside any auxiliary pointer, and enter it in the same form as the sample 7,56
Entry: 10,56
